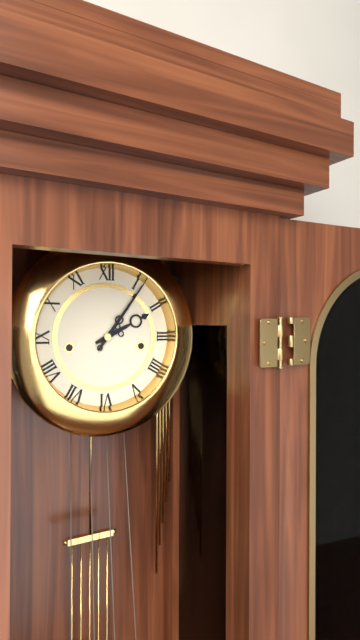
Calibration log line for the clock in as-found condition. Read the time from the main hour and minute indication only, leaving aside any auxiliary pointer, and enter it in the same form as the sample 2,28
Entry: 2,06
